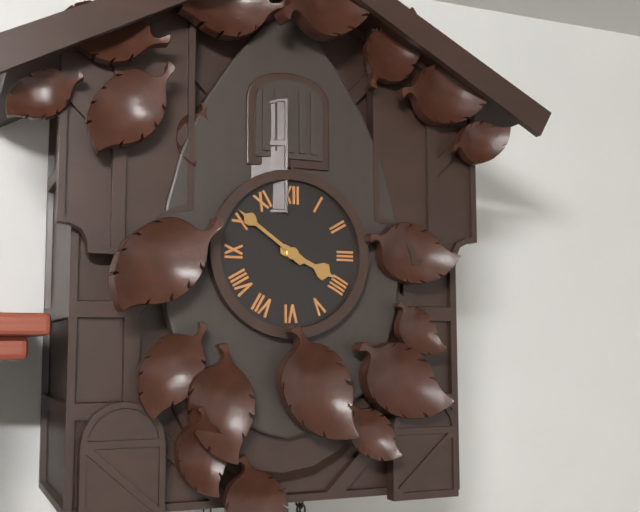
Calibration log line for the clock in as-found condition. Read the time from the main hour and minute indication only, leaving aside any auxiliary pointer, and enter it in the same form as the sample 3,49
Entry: 3,51
